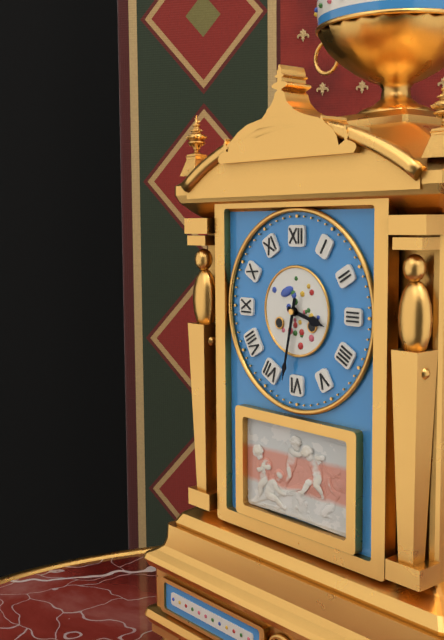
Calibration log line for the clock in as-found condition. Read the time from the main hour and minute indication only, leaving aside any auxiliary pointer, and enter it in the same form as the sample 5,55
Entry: 3,32
